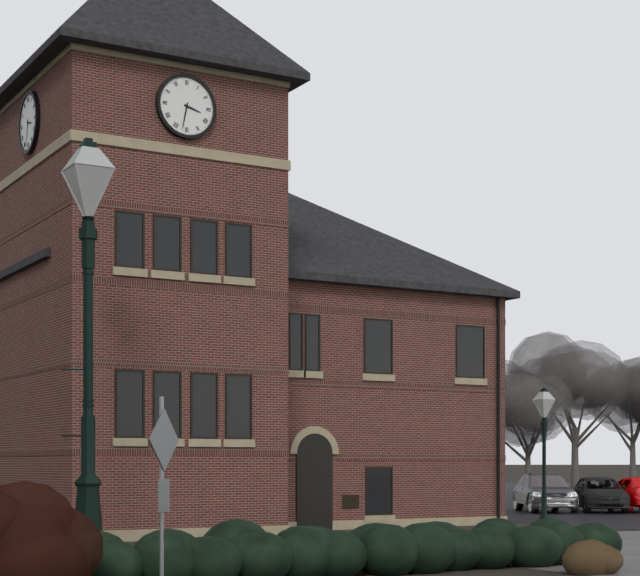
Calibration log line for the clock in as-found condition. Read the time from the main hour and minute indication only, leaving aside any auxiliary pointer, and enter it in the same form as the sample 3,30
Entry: 3,32
